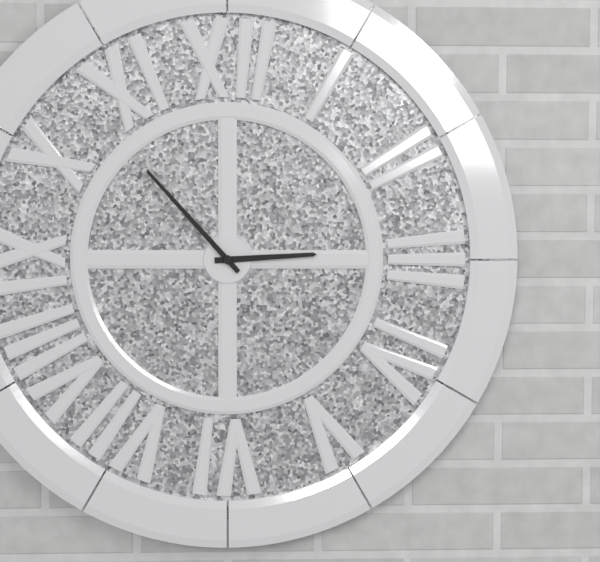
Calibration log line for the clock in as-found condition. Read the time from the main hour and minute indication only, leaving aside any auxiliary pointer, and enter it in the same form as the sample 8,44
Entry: 2,53
